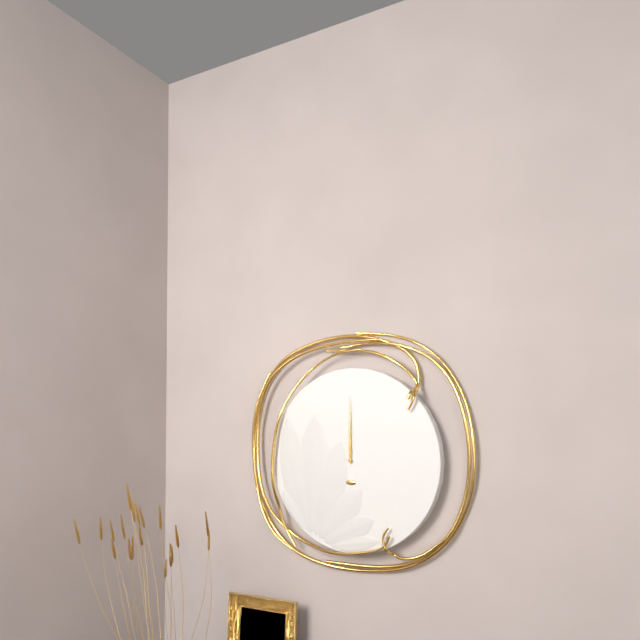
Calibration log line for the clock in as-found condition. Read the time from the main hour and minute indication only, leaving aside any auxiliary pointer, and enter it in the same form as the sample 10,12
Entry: 12,00
